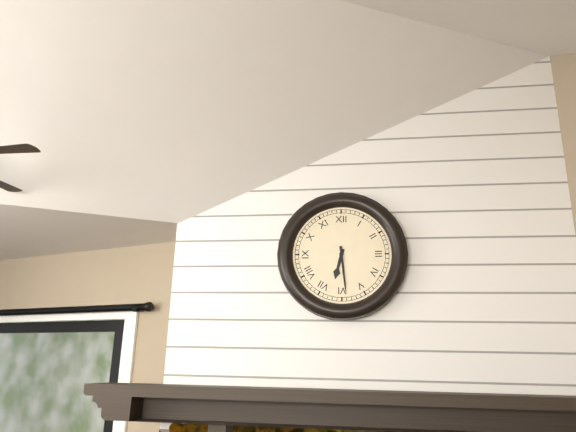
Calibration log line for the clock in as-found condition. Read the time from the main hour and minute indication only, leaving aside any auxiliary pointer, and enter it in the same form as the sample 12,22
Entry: 6,29
